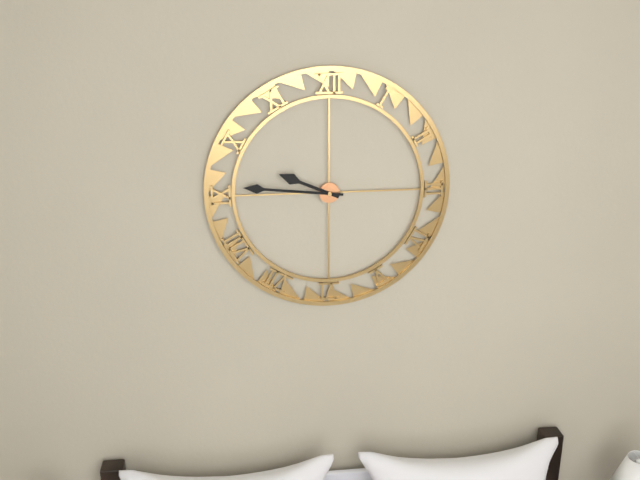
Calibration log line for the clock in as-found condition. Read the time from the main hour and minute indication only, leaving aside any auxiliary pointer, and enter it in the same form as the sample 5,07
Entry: 9,46
